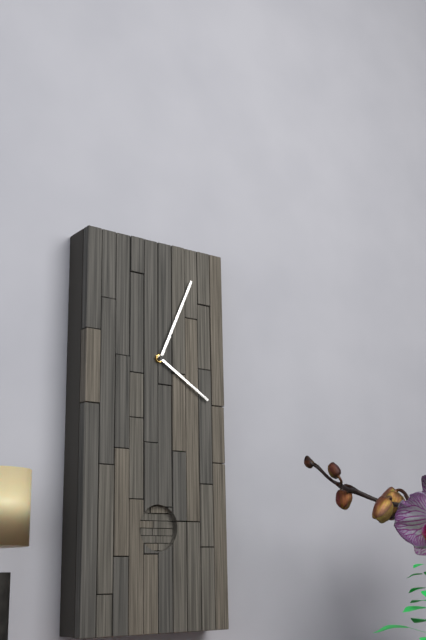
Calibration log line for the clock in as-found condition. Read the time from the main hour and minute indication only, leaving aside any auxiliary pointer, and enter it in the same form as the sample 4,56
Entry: 4,04
